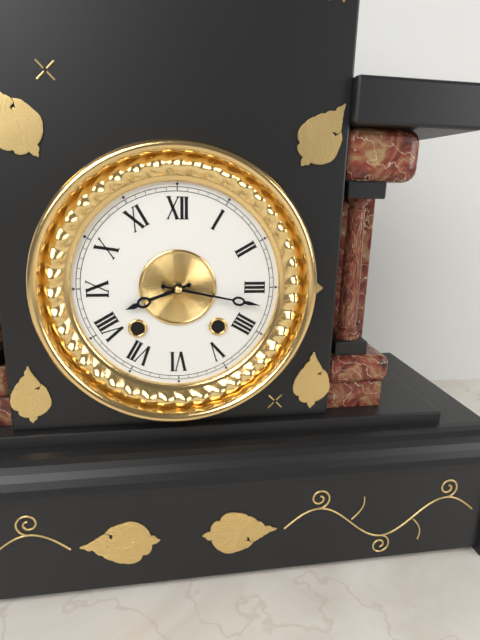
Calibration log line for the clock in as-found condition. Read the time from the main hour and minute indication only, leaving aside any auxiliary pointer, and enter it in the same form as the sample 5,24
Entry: 8,17
